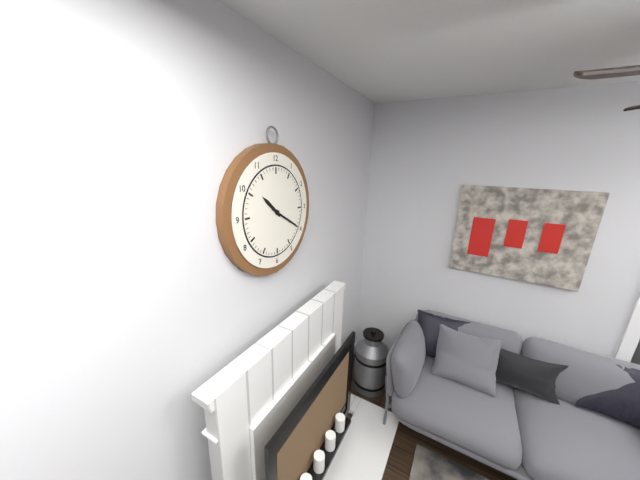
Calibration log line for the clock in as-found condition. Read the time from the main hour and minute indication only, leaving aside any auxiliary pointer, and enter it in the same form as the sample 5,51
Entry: 10,20
